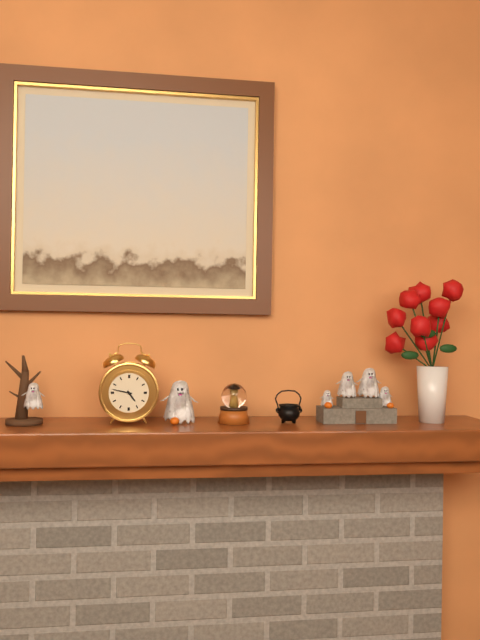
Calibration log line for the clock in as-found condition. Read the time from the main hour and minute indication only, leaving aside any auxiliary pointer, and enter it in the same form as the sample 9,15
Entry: 4,47
